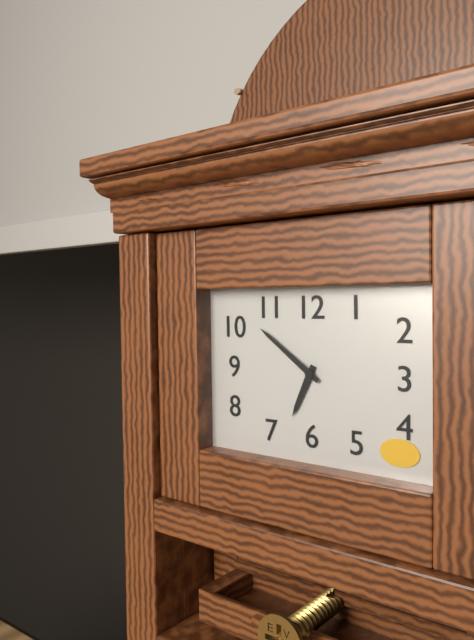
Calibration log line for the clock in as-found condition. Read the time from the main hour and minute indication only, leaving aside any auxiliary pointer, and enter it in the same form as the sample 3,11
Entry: 6,51
